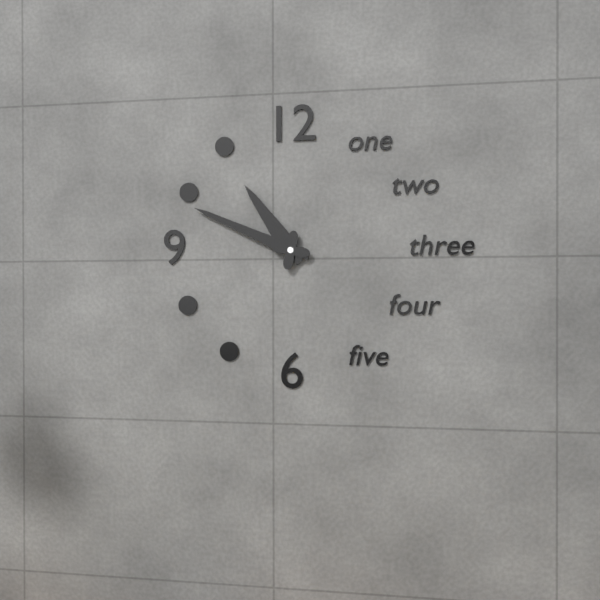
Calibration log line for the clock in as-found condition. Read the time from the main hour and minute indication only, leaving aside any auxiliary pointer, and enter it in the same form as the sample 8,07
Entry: 10,49
